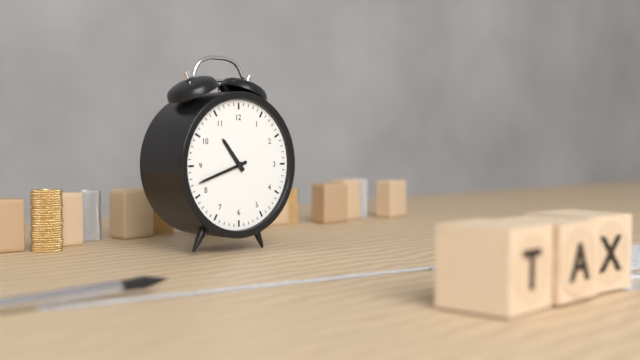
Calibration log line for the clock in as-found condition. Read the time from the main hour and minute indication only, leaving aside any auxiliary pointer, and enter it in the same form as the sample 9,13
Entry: 10,42
